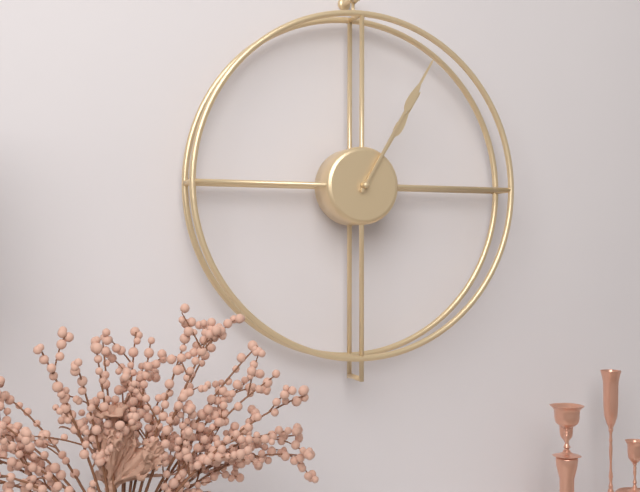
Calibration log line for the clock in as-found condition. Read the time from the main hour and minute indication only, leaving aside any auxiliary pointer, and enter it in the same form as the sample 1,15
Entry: 1,05
